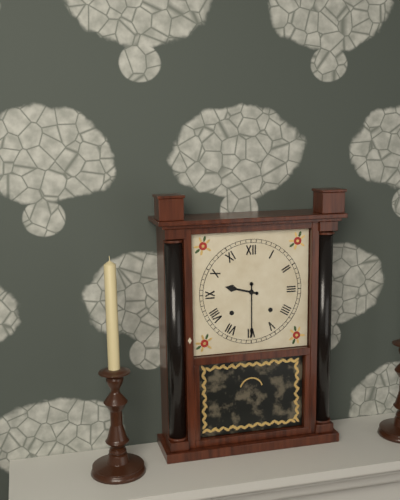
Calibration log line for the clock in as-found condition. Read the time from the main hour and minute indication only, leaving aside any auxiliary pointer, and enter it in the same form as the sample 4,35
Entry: 9,30
